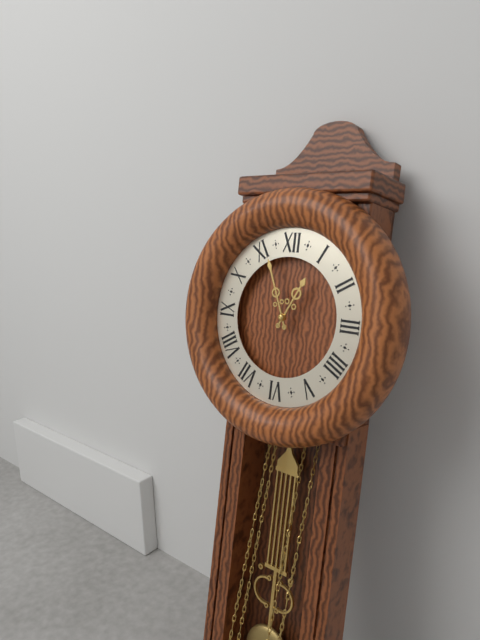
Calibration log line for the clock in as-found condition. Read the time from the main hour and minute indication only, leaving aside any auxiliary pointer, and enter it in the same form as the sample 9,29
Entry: 12,56
